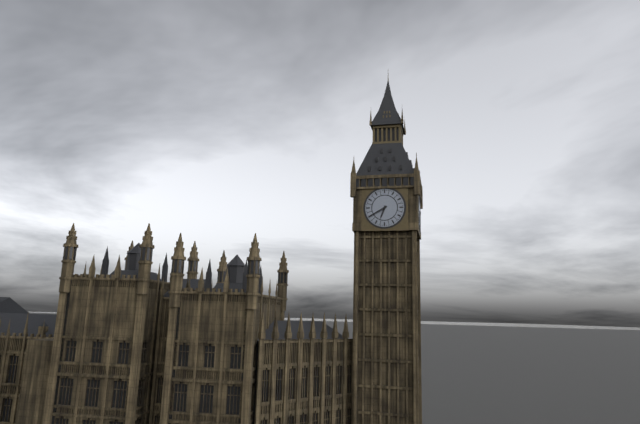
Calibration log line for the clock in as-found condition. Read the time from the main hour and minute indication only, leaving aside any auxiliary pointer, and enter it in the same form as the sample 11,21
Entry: 6,40
